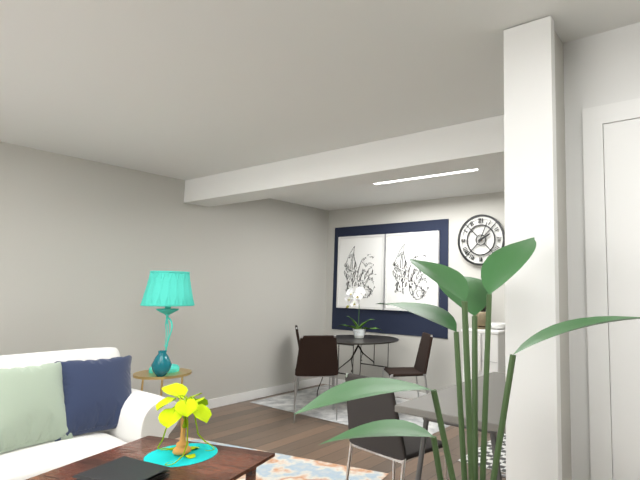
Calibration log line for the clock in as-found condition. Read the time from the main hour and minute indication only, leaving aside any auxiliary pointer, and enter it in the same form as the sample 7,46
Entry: 2,04
